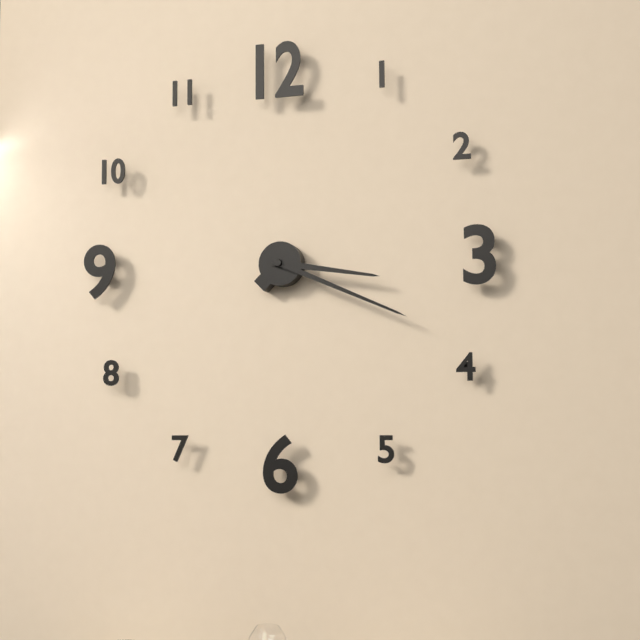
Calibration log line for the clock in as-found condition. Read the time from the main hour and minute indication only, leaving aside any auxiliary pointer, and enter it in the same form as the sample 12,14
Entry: 3,19
